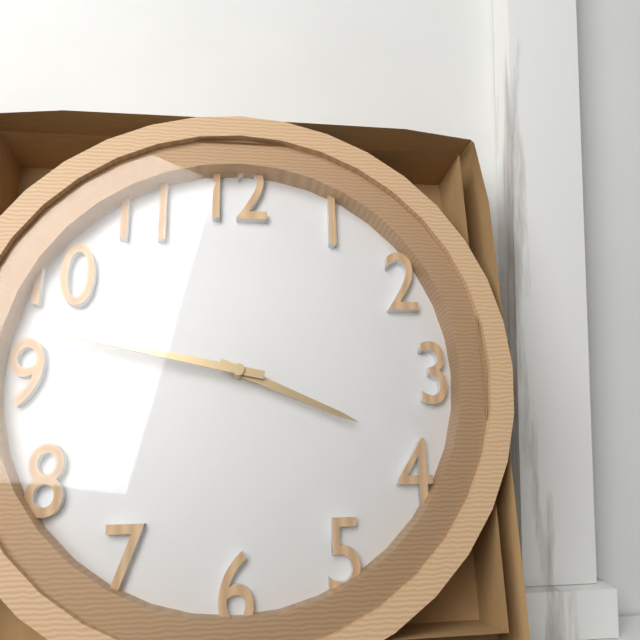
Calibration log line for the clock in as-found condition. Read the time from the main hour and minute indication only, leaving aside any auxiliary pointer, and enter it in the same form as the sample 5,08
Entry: 3,47
